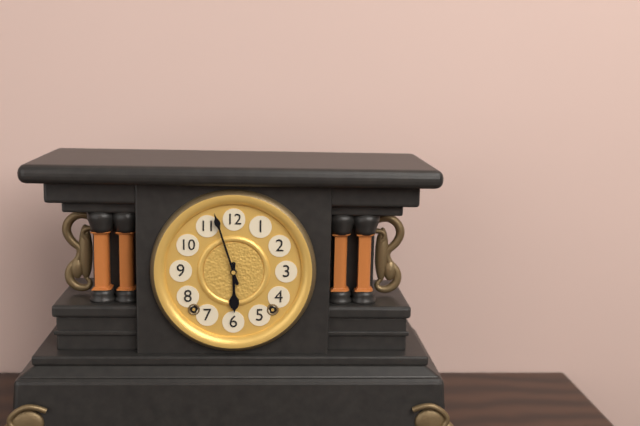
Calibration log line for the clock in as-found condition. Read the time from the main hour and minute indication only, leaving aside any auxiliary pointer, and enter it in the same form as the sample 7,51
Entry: 5,57
